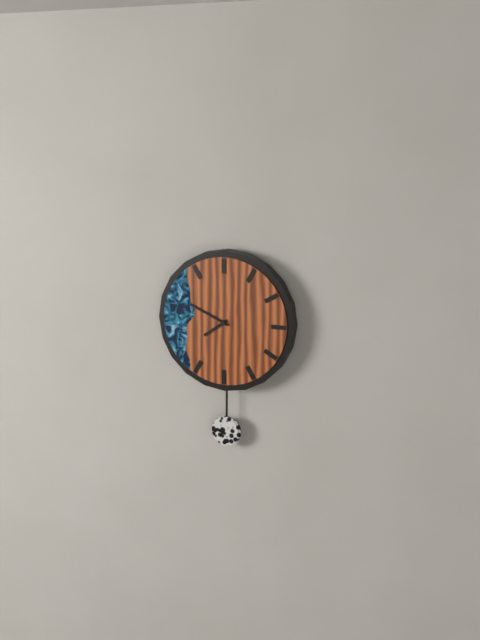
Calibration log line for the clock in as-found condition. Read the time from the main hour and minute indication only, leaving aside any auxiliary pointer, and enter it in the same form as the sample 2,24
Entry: 7,49
